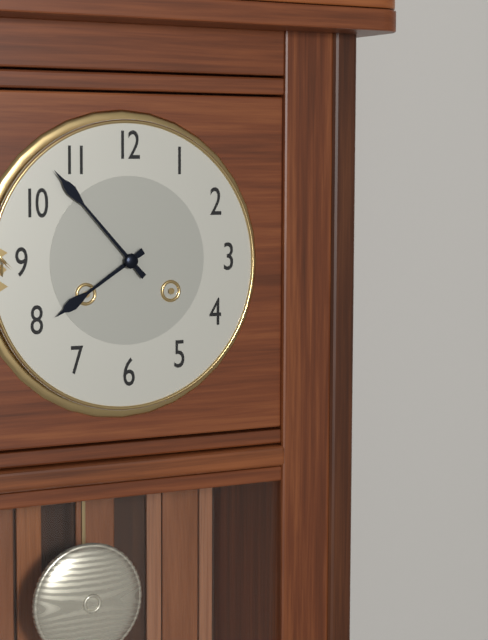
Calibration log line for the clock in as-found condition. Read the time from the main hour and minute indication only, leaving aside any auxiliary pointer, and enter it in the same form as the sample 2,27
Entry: 7,53
